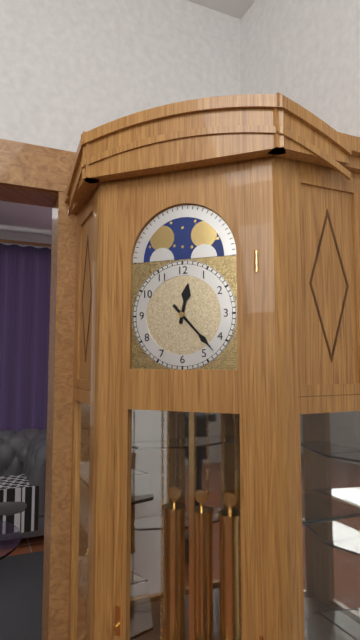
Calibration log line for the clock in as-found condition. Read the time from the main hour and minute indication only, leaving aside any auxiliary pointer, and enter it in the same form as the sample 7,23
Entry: 12,23
